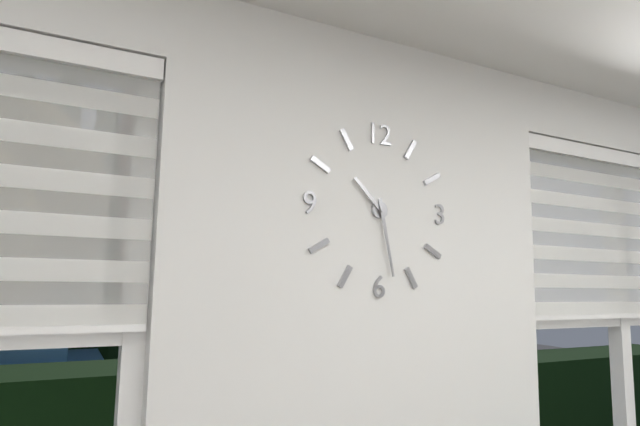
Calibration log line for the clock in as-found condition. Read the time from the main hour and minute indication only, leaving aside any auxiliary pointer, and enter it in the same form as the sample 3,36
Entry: 10,28
